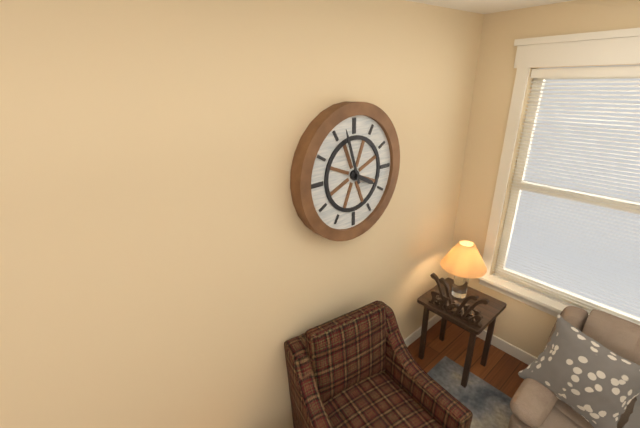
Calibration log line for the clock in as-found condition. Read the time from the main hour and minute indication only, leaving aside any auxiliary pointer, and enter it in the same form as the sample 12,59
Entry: 3,57
